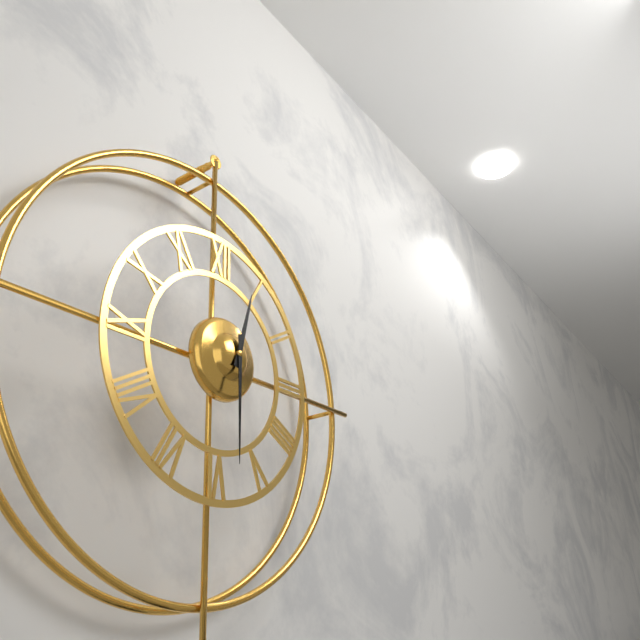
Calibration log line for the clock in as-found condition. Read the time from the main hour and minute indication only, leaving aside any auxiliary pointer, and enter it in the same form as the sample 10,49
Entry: 12,30
